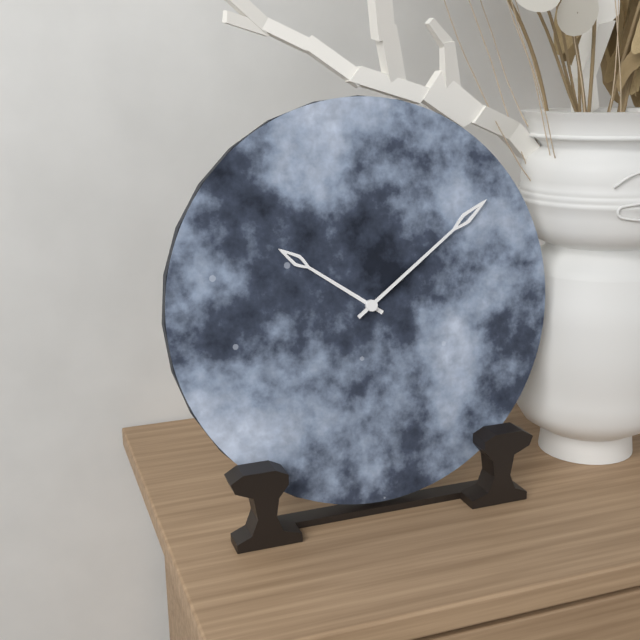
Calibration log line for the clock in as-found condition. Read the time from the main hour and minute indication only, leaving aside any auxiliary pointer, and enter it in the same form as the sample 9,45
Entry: 10,09
